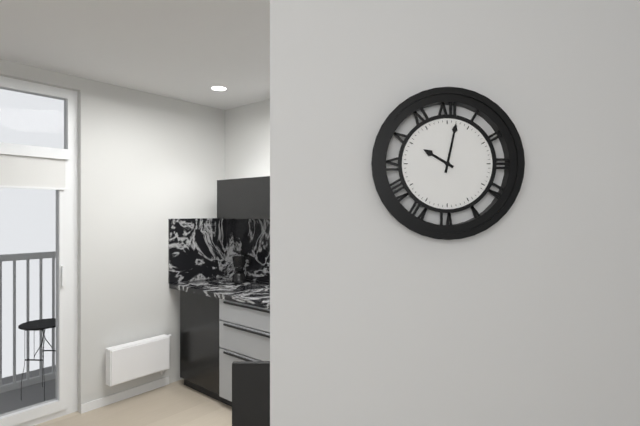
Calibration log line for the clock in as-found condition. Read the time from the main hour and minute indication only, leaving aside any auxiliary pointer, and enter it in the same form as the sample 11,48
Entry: 10,02
